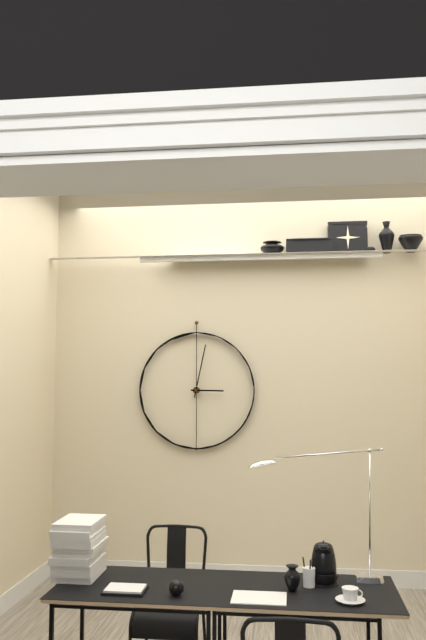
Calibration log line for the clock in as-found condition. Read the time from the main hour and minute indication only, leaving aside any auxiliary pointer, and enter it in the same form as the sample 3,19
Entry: 3,02
